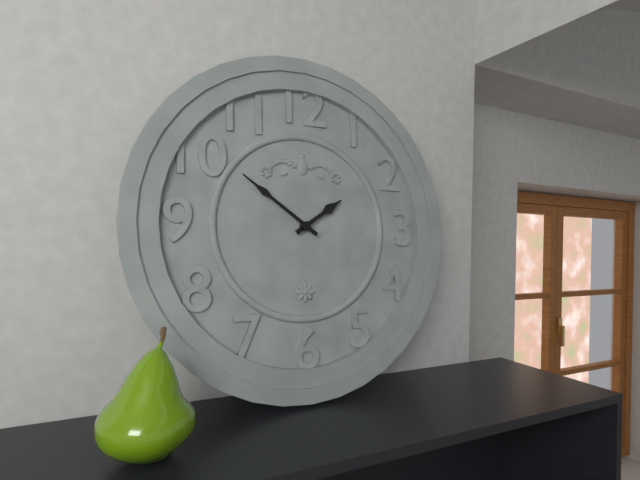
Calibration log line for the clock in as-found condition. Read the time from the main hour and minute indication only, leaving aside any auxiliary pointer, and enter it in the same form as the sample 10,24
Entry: 1,51
